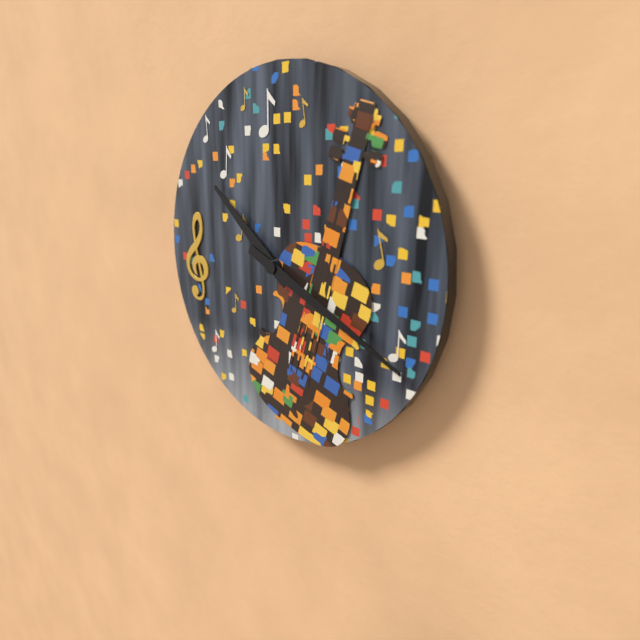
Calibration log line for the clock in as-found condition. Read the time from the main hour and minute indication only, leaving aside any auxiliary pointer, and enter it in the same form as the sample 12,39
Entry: 10,19
